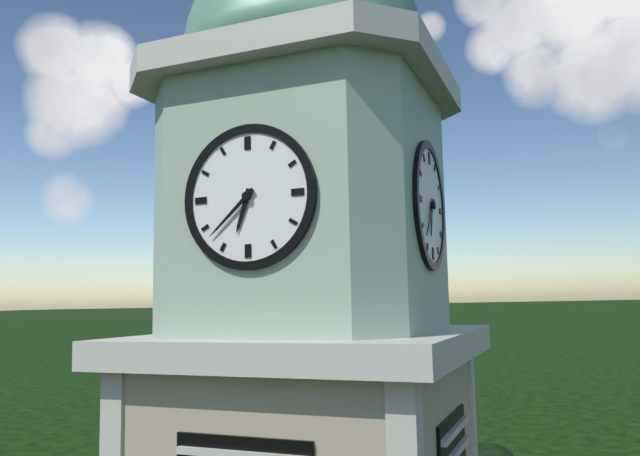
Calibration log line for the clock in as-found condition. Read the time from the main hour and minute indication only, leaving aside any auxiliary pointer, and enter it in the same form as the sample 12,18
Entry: 6,38
